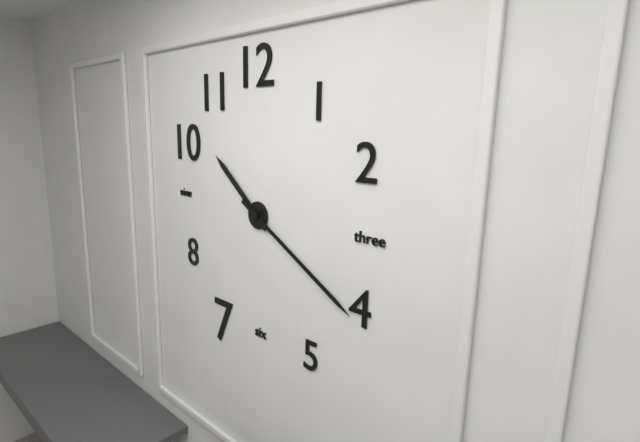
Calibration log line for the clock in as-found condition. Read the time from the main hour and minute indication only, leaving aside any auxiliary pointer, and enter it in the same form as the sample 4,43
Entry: 10,20
